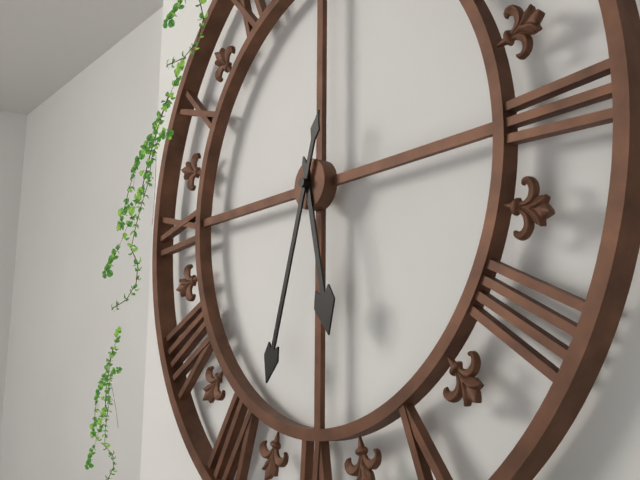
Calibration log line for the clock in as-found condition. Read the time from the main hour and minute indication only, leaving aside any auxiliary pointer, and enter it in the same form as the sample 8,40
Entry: 5,33
